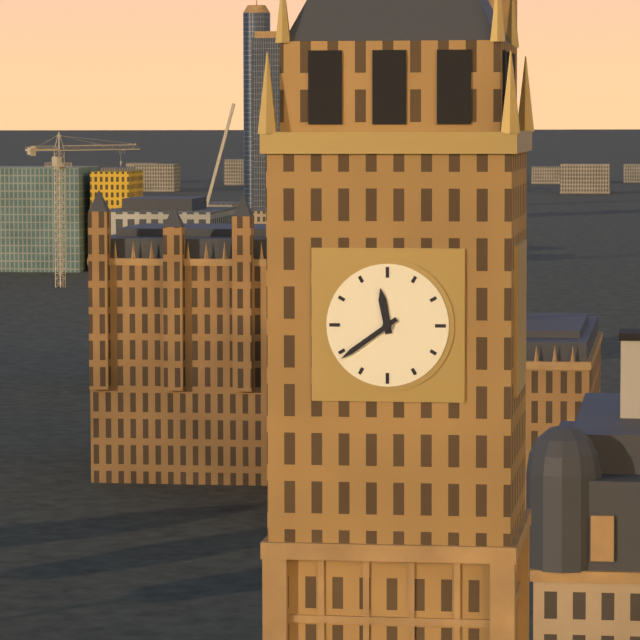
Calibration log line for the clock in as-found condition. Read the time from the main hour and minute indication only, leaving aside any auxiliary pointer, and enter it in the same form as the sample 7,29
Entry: 11,39
